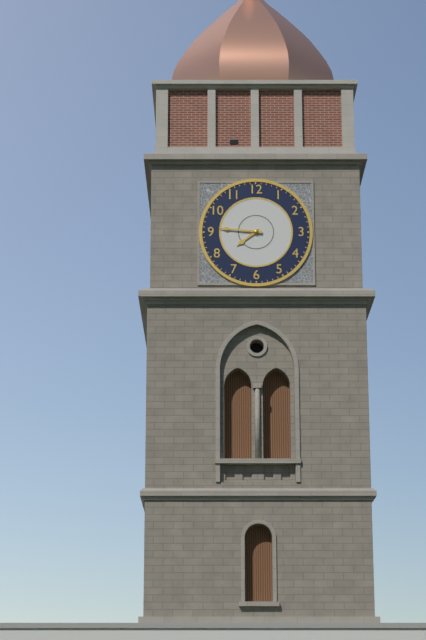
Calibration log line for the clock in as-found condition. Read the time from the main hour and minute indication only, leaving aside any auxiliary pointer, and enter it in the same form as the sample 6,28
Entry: 7,46
